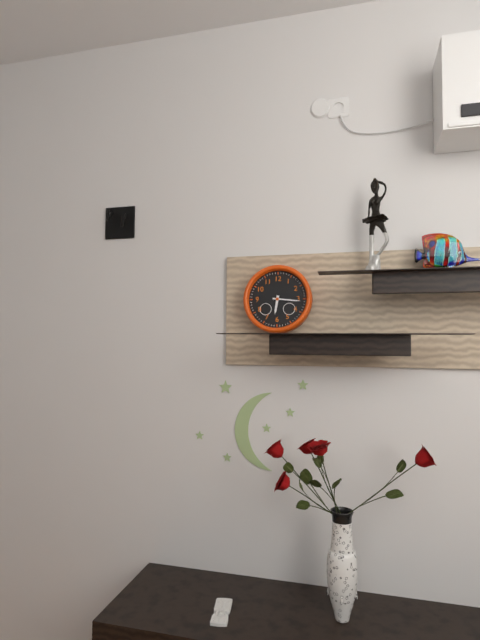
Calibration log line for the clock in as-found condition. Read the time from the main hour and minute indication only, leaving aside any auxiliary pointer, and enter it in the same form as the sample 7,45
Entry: 6,16
